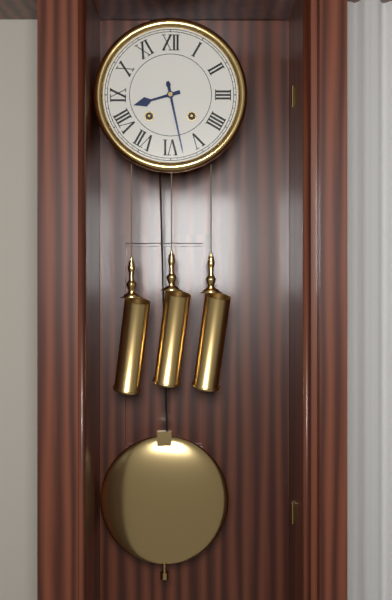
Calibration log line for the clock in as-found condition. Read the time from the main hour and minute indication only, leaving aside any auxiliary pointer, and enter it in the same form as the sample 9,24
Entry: 8,28
